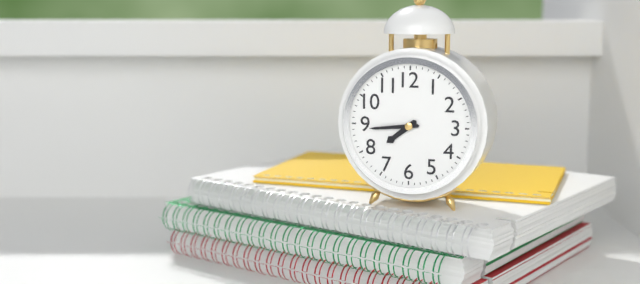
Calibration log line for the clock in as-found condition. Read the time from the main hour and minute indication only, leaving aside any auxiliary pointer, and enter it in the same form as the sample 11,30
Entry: 7,44
